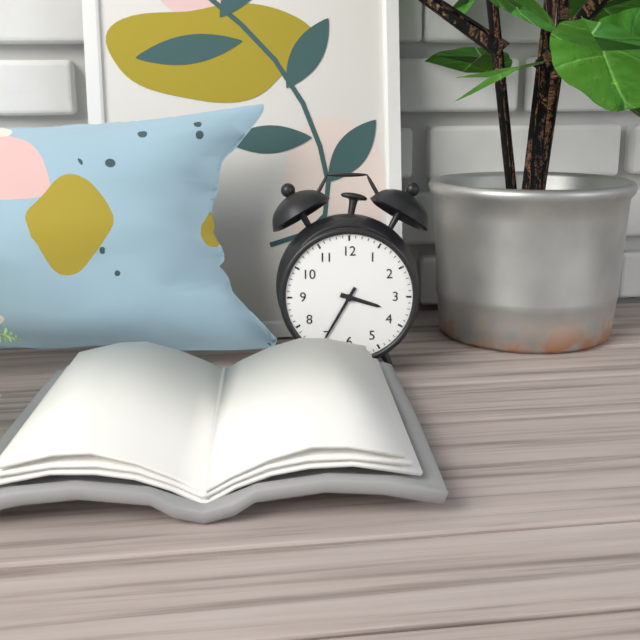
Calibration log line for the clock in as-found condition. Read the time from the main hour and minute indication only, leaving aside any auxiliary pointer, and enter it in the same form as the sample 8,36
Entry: 3,35
